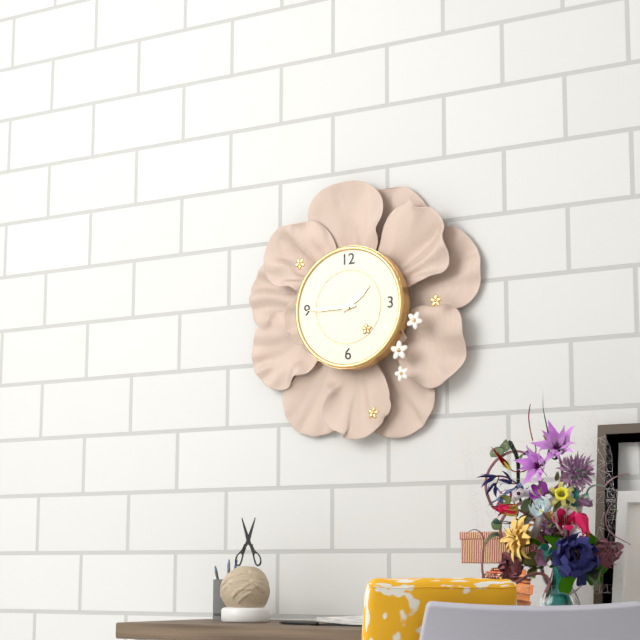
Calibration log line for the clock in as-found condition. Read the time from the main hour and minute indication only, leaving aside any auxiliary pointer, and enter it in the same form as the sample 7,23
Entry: 1,45
